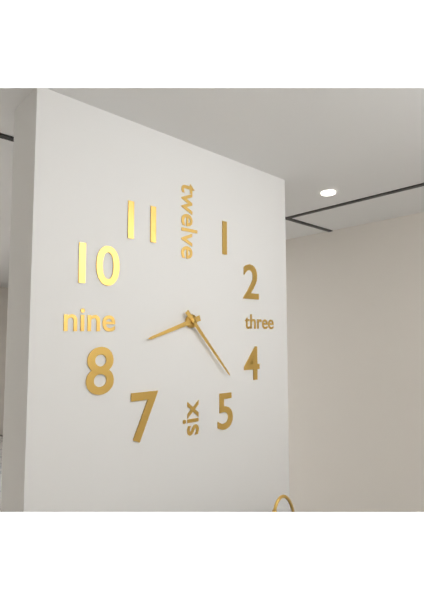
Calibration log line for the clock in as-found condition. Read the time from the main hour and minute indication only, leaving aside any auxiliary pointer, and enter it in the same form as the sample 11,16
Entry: 8,23
